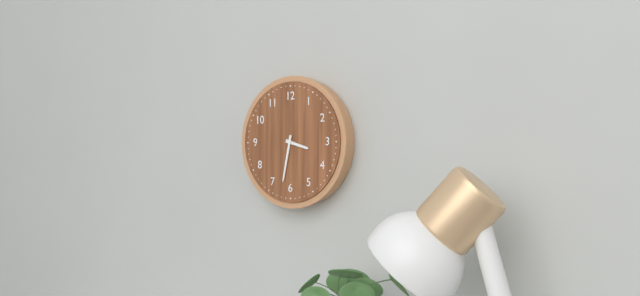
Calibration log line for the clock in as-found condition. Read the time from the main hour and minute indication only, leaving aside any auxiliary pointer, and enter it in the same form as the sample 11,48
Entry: 3,32
